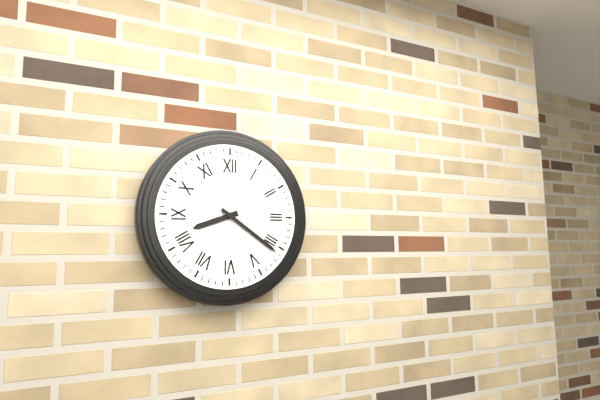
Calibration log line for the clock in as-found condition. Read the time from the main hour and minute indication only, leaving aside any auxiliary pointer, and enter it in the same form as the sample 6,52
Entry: 8,21
